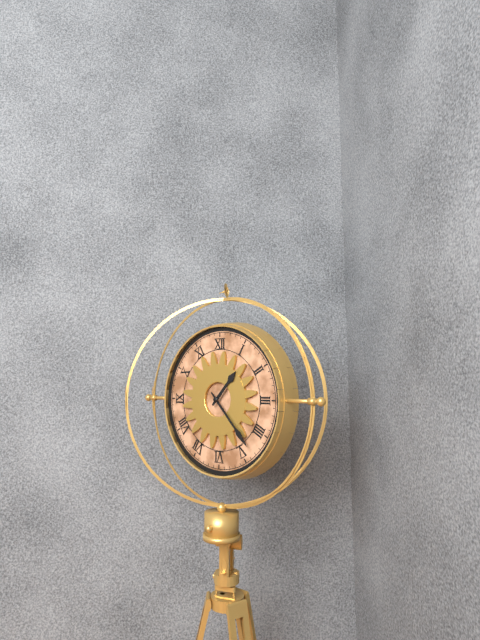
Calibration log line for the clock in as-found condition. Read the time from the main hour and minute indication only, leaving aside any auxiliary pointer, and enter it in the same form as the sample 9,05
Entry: 1,23
